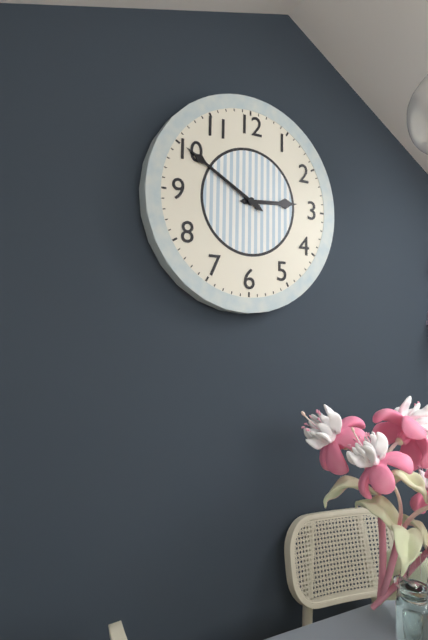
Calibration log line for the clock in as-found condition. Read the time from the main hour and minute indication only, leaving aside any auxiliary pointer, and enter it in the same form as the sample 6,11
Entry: 2,50
